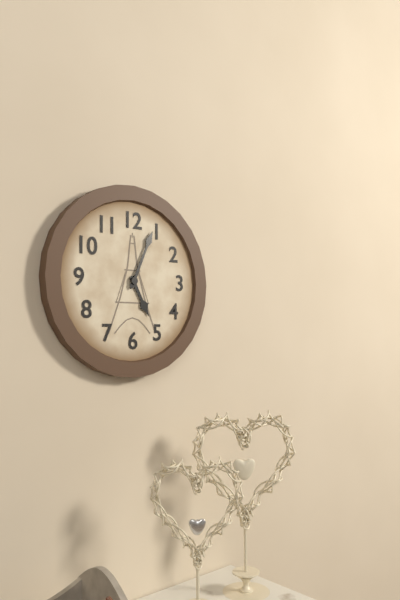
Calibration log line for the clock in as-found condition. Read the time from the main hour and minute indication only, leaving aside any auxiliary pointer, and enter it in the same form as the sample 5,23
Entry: 5,04
